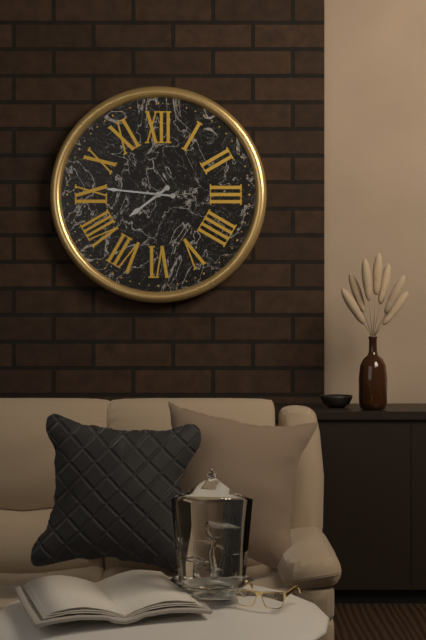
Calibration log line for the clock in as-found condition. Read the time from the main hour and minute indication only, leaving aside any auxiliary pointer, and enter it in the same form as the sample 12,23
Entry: 7,46
